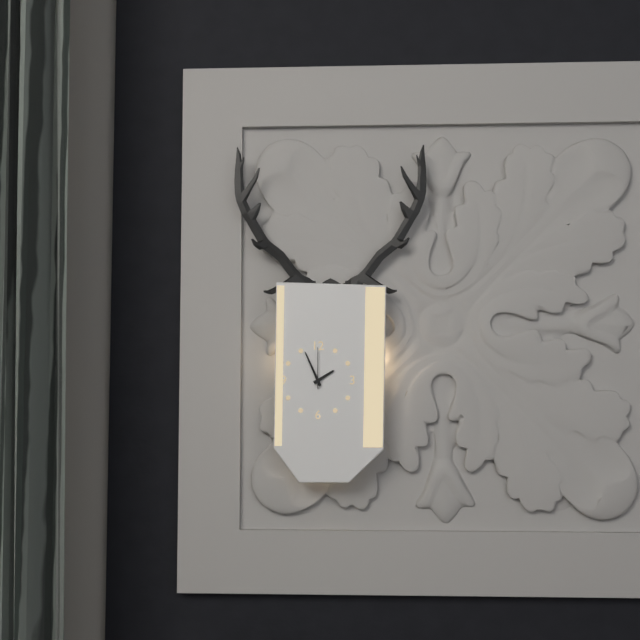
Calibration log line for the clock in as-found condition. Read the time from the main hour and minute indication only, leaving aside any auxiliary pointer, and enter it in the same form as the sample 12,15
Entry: 1,56
